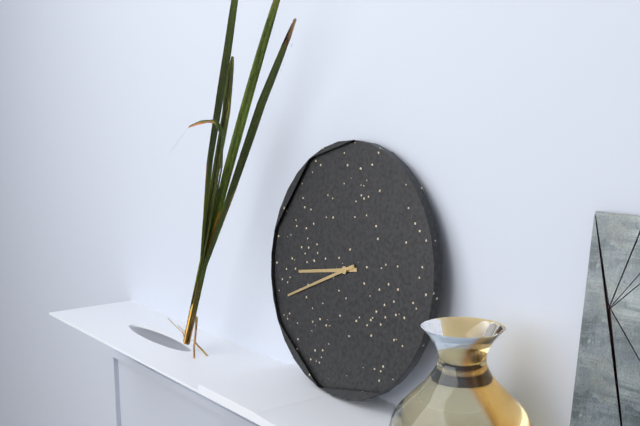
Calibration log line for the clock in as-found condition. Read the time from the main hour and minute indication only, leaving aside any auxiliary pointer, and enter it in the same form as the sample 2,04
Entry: 8,41
